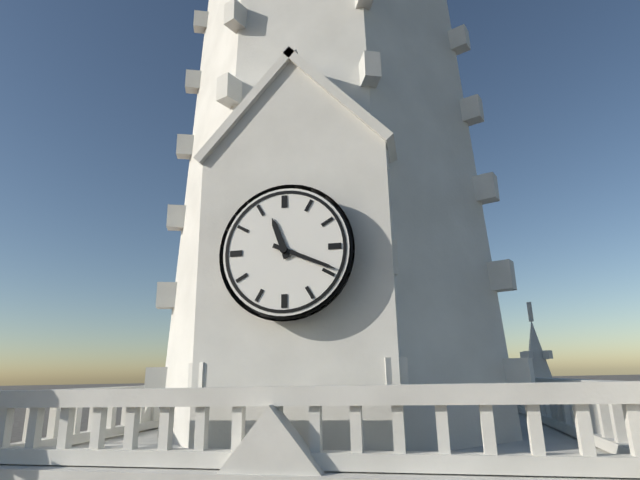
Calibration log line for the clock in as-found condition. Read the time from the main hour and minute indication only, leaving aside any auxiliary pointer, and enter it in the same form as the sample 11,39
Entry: 11,19
